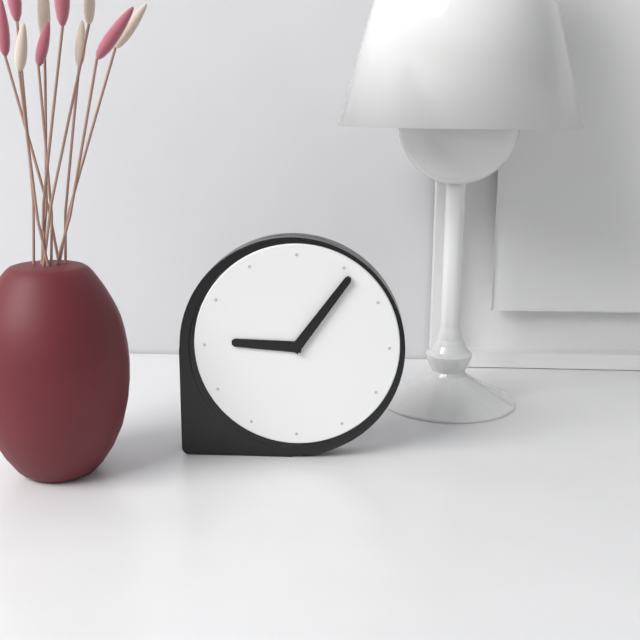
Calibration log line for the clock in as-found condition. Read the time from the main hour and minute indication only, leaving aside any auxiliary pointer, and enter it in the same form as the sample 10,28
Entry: 9,06
